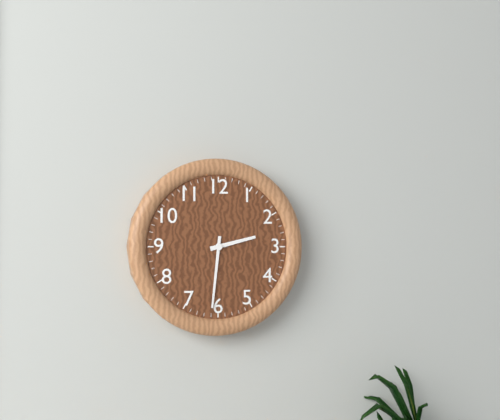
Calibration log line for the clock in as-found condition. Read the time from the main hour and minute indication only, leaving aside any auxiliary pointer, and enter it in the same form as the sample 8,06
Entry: 2,31
